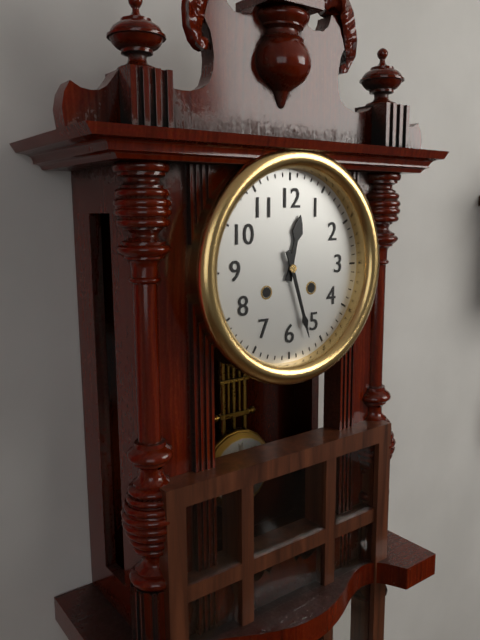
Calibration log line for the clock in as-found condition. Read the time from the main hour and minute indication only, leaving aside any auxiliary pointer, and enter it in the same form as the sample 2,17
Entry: 12,27
